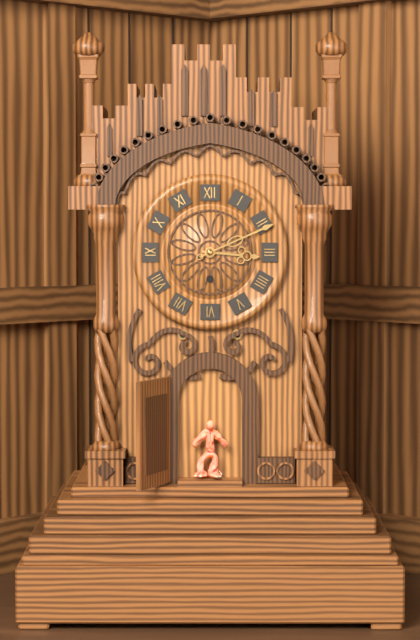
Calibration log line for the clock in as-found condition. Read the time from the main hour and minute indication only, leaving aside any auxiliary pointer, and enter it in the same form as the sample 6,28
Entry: 3,11
